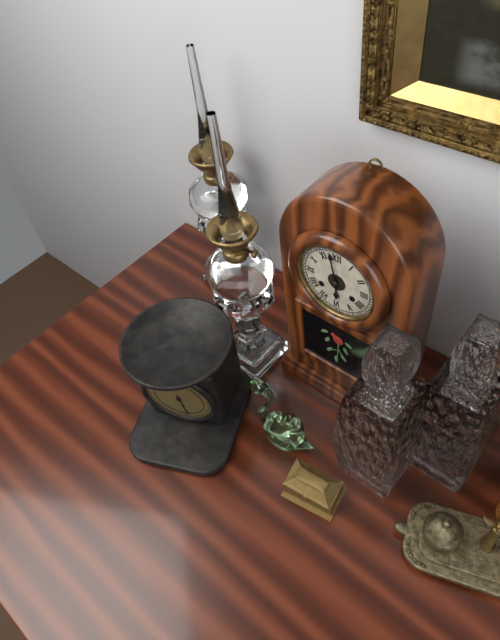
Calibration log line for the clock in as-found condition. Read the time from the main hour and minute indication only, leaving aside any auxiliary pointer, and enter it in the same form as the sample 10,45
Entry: 5,58
